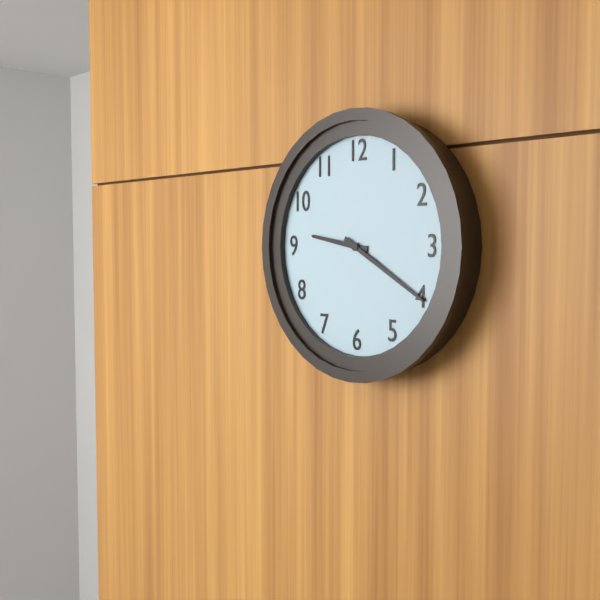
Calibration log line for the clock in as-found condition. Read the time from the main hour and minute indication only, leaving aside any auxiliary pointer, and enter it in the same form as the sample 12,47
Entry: 9,20
